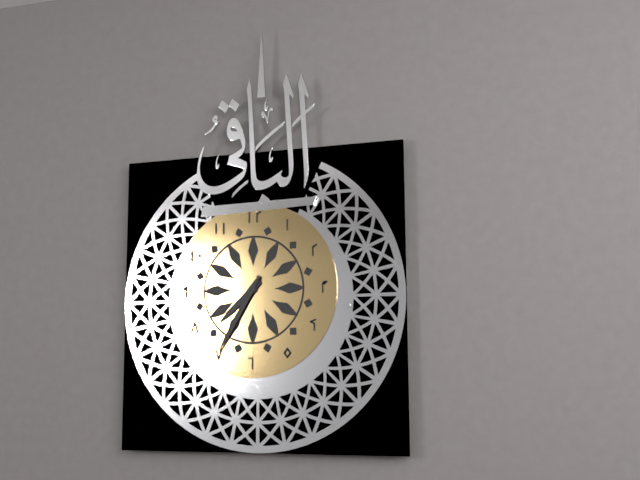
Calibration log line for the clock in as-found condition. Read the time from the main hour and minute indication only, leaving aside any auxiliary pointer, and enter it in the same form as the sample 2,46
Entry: 7,35
